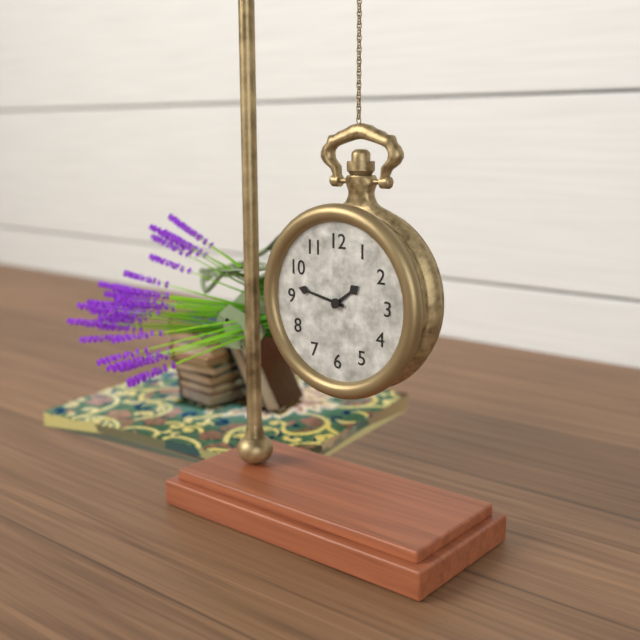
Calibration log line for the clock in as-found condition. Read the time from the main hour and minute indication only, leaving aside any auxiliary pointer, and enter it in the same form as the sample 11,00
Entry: 1,47
